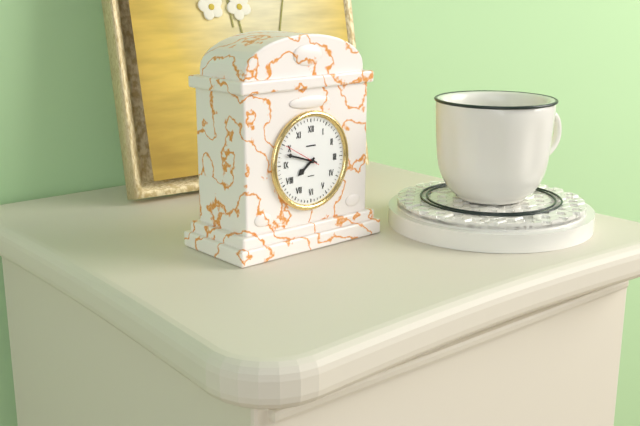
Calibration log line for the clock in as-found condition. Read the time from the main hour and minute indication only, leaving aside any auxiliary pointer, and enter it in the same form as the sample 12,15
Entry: 7,48
